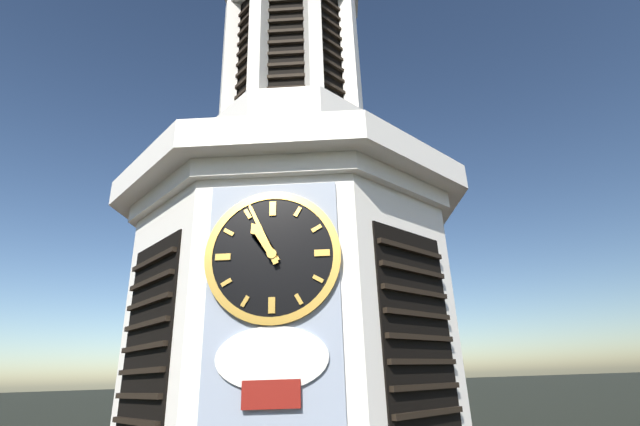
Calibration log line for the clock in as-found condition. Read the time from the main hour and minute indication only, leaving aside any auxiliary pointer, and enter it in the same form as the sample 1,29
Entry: 10,56
